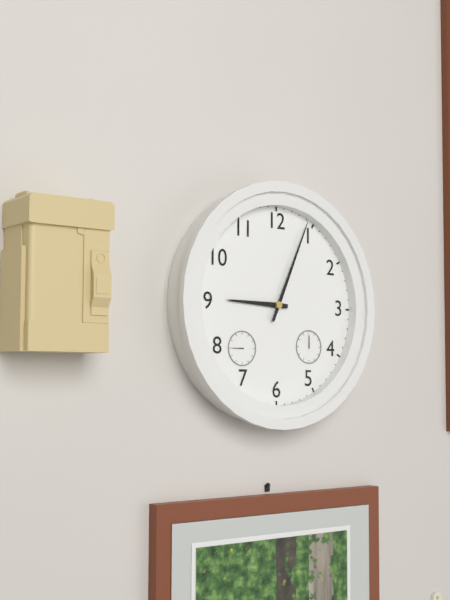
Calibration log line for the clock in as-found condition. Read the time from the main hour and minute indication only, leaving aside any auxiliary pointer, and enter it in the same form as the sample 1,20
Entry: 9,04
